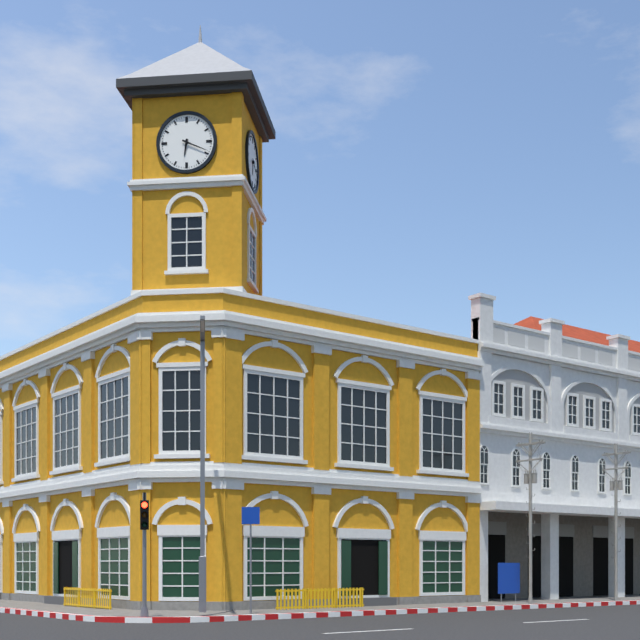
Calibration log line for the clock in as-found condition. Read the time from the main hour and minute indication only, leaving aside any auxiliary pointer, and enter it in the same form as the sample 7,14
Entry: 6,19
